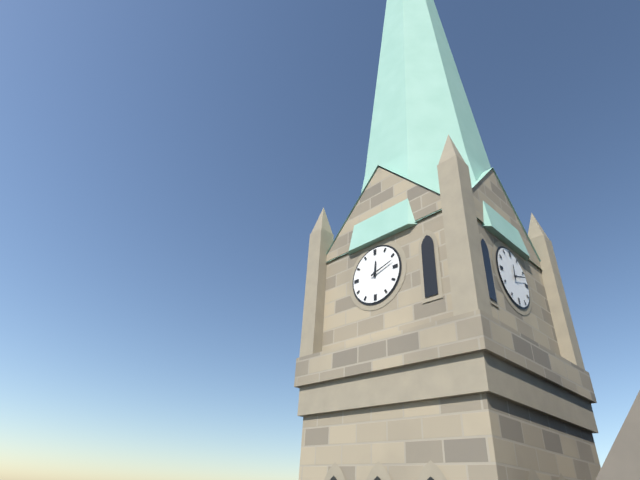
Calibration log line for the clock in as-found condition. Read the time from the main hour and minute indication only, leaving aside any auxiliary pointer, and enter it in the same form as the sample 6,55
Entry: 12,12
